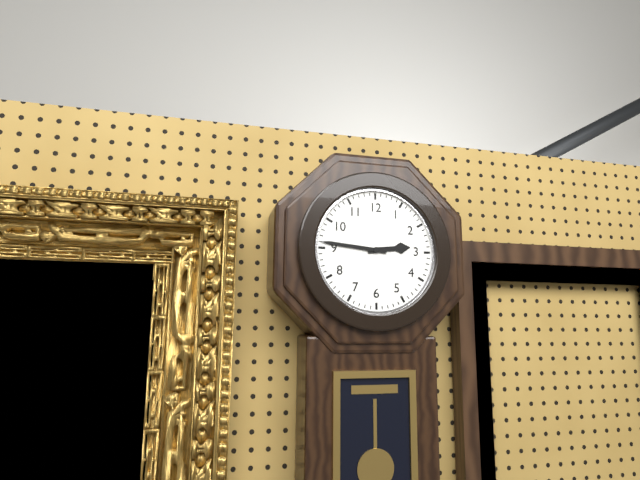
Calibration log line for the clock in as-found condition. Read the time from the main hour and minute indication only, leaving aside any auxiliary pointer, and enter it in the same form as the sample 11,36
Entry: 2,46
